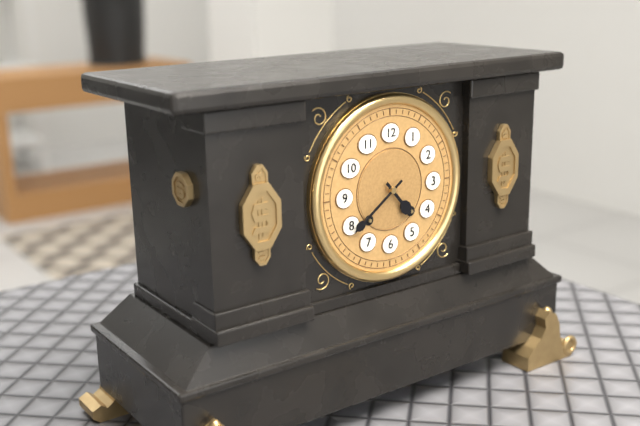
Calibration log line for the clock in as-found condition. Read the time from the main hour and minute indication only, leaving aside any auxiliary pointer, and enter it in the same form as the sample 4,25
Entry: 4,39
